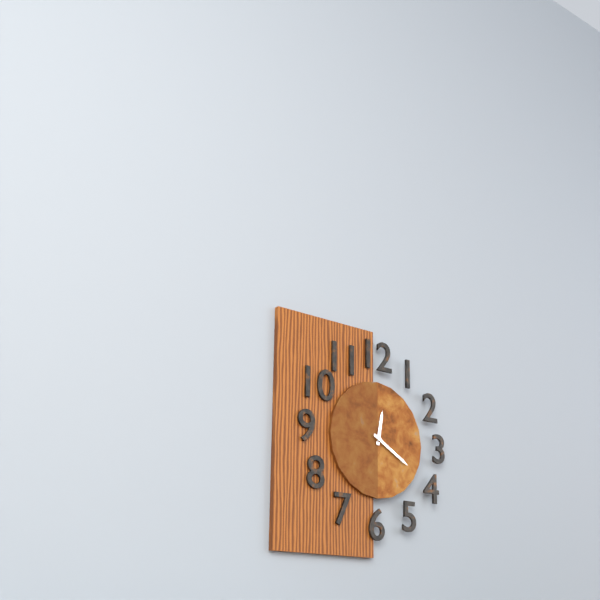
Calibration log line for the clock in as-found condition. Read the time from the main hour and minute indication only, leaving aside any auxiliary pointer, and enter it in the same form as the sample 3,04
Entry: 12,20
